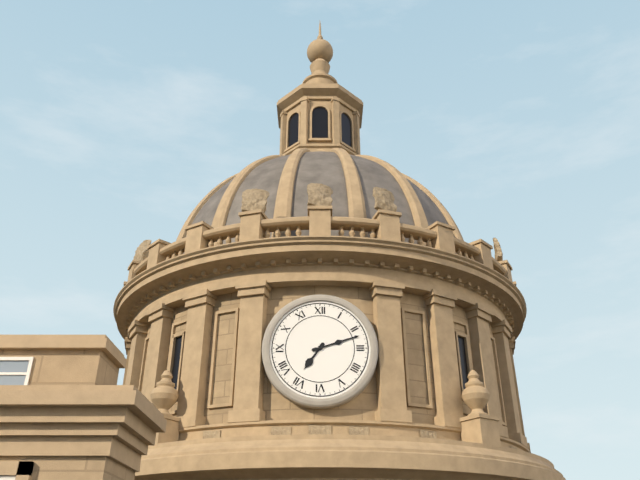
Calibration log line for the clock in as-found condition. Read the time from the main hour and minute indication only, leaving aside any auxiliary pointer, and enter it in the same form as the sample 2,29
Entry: 7,12
